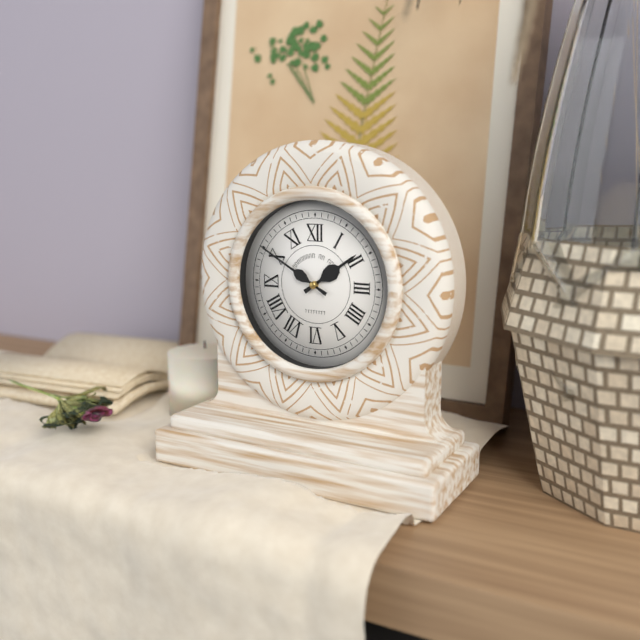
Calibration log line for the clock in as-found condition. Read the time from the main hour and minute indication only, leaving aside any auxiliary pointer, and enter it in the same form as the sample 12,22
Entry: 1,50
